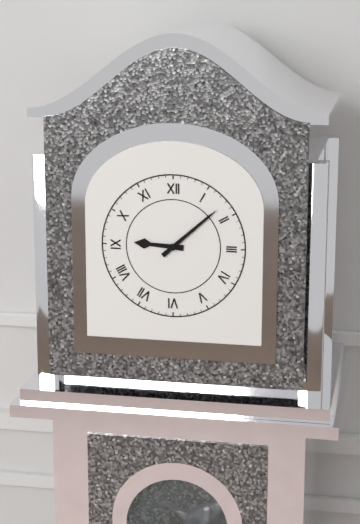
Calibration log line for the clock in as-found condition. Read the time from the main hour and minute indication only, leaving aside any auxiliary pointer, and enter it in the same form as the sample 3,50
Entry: 9,08
